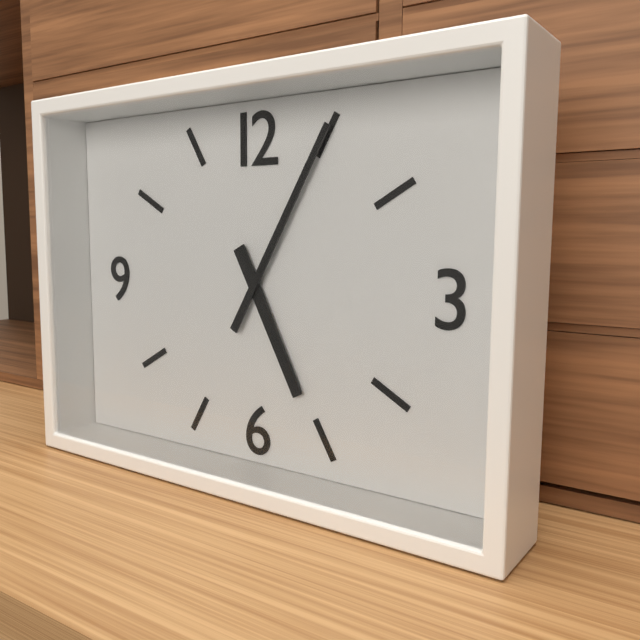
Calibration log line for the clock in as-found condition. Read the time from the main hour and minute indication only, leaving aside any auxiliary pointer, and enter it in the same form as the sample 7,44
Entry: 5,05
